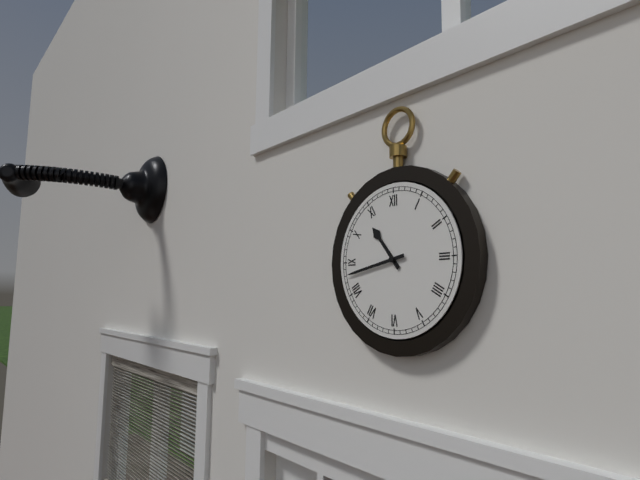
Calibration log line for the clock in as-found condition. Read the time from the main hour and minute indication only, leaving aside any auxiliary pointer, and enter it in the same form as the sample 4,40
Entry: 10,43
